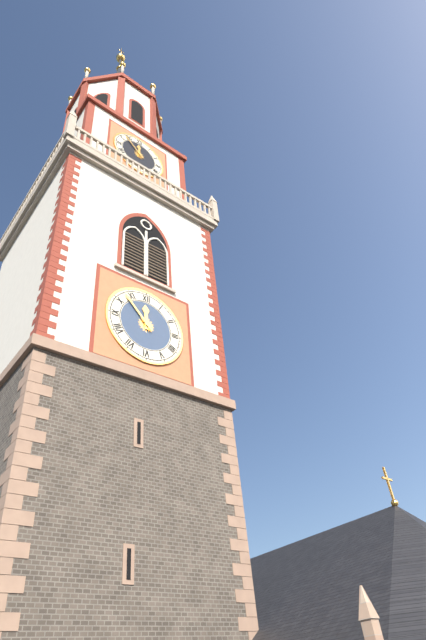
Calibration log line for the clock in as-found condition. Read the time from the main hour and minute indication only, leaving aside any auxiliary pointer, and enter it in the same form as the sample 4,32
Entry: 11,53
